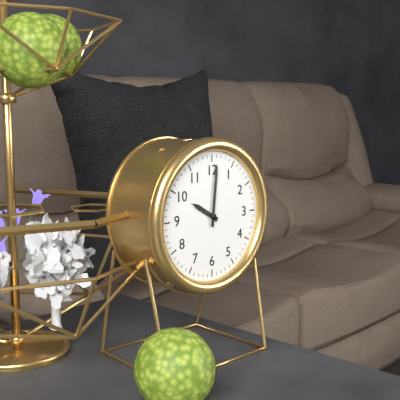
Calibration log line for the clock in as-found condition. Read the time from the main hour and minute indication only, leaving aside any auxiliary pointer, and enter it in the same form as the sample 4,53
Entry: 10,01
